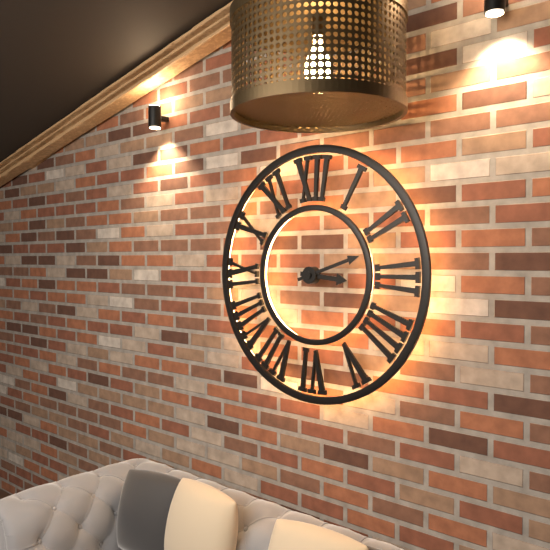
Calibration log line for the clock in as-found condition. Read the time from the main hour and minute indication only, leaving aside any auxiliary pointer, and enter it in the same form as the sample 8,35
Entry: 3,12
